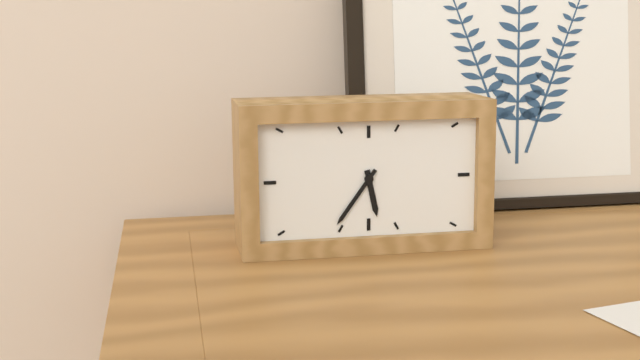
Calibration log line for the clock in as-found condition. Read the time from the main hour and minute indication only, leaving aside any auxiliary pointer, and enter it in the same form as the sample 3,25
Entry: 5,36
